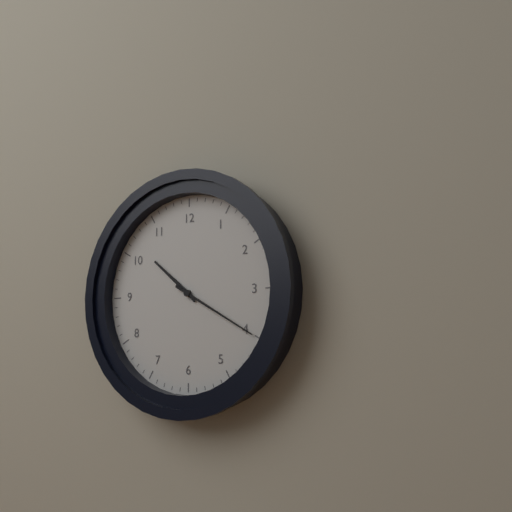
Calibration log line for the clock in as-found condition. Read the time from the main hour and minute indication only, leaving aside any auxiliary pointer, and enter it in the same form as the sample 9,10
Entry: 10,20
